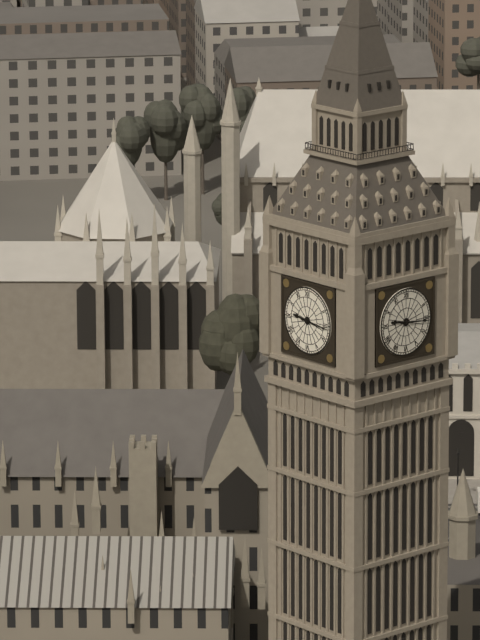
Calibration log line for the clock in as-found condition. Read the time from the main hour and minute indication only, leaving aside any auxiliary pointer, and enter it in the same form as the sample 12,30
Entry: 9,16
